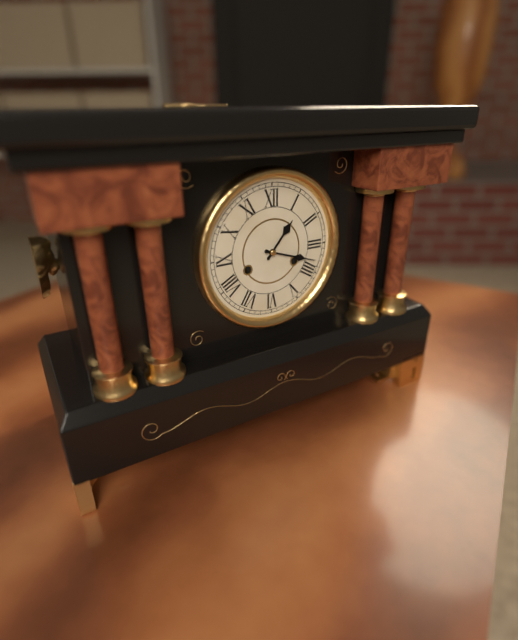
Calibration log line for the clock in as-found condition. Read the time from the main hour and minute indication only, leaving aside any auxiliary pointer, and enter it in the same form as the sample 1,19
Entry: 1,18
